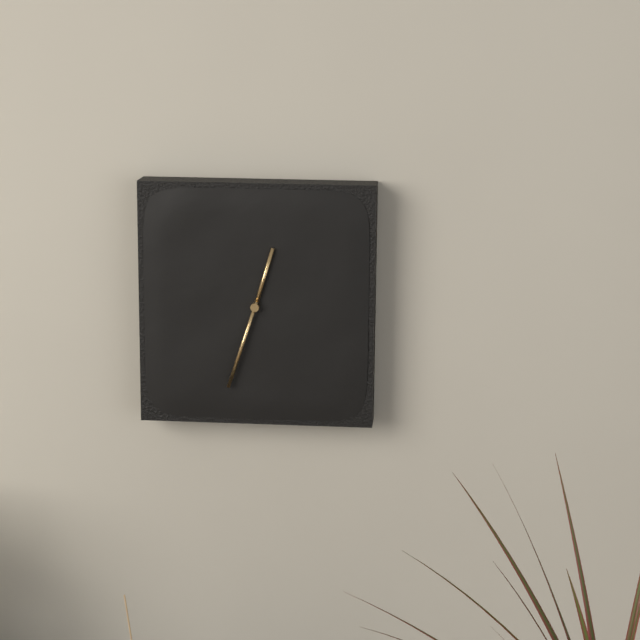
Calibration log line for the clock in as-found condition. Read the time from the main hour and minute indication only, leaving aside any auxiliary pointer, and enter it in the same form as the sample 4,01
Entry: 12,33
